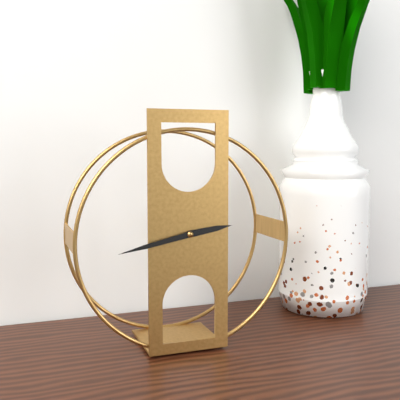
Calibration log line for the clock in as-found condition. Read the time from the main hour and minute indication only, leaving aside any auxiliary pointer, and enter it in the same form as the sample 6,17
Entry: 2,43
